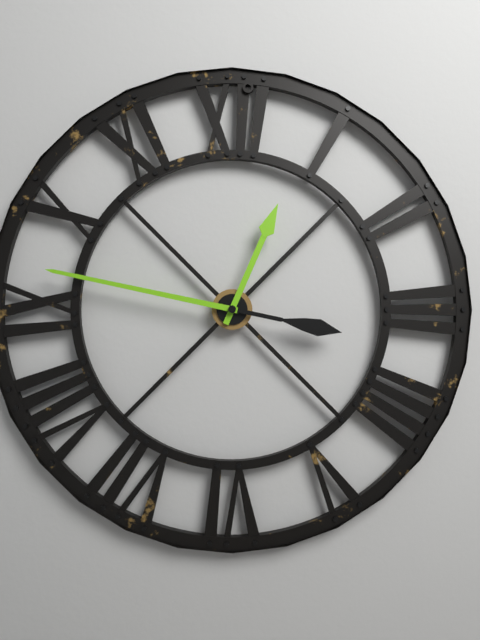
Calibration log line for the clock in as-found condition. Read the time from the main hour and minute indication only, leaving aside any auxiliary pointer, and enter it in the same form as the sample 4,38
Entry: 12,47
